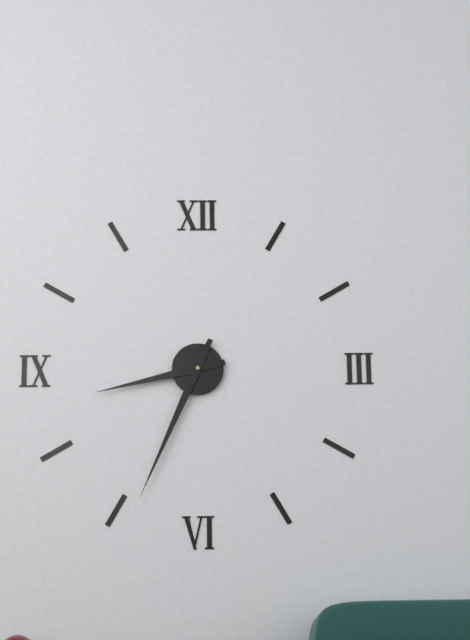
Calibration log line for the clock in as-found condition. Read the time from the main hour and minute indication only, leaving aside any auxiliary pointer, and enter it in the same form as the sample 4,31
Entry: 8,34
